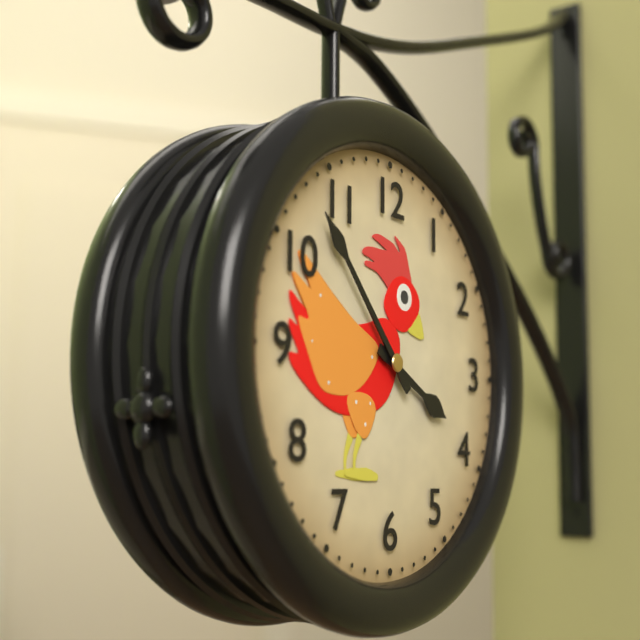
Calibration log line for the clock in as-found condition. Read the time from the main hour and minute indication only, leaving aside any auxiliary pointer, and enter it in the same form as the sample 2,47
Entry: 3,53
